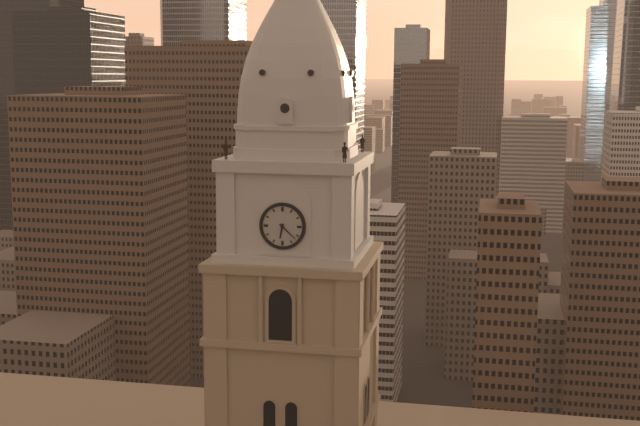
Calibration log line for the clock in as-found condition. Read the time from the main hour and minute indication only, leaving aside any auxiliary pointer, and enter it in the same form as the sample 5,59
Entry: 6,22
